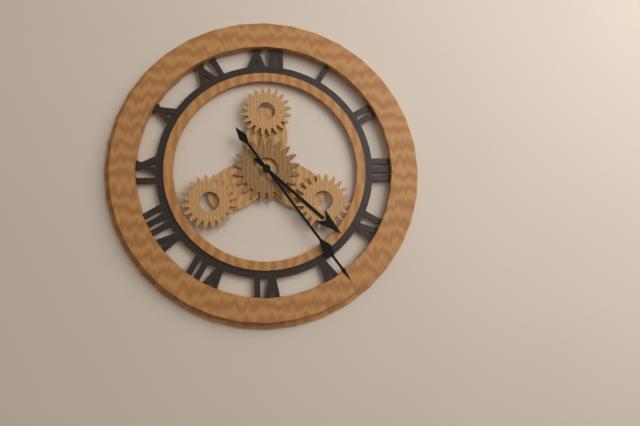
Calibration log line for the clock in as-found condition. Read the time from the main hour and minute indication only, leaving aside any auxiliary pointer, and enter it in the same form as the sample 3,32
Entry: 4,24
